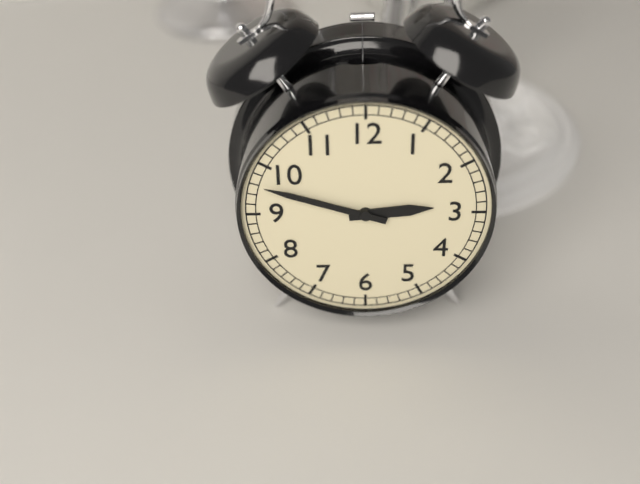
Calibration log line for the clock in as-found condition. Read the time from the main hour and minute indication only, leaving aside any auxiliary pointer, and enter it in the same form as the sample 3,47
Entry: 2,48
